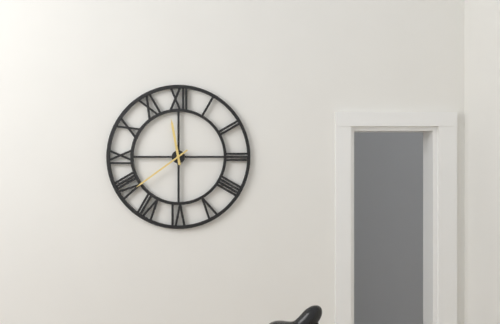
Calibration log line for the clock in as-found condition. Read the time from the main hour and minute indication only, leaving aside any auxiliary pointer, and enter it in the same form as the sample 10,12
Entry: 11,39
